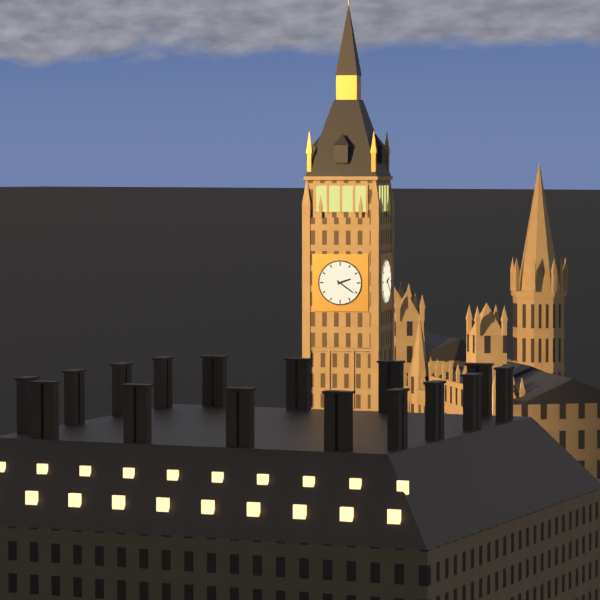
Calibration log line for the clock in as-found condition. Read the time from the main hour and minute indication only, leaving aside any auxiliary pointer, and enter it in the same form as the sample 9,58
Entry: 2,21
